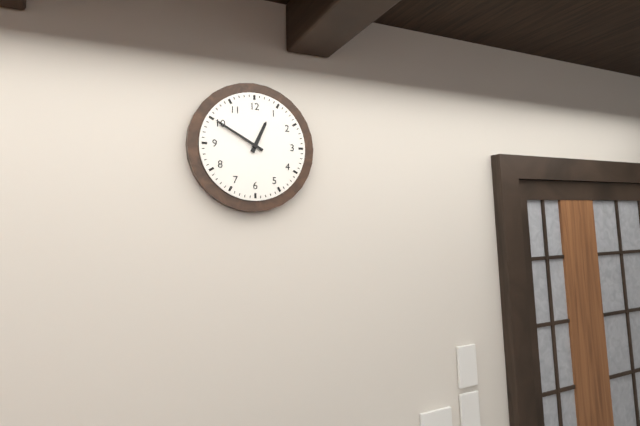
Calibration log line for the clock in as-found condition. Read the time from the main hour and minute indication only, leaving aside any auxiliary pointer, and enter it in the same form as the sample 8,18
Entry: 12,50
